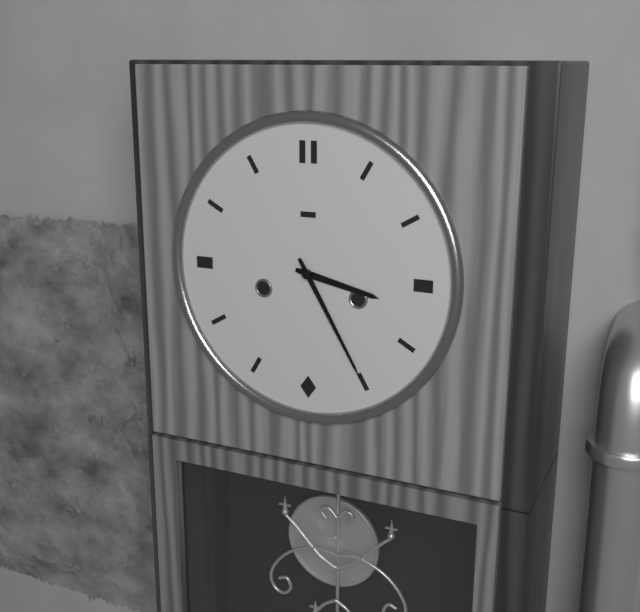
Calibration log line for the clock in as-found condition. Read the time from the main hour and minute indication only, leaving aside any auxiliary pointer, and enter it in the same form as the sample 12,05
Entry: 3,25
